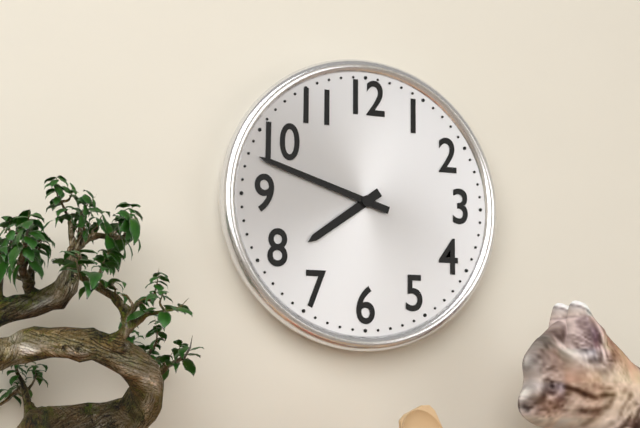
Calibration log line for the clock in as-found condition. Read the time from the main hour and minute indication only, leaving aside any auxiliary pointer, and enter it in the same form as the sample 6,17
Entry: 7,48
